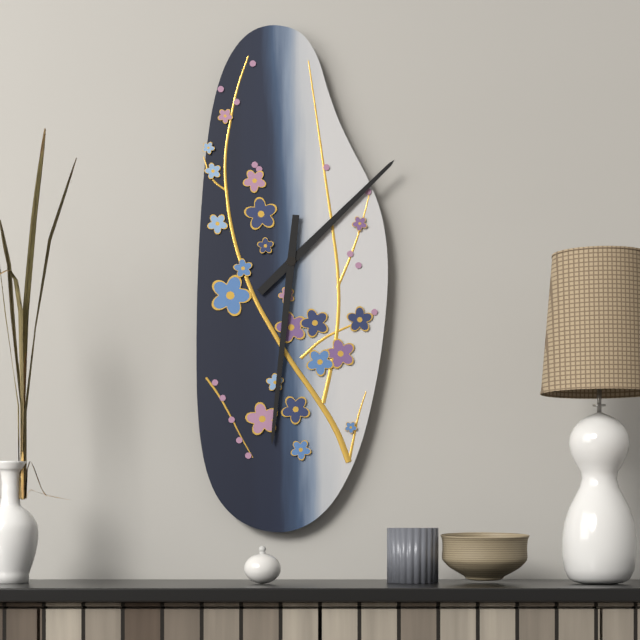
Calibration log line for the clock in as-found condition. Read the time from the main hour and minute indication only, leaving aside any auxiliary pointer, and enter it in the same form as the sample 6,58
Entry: 1,31
